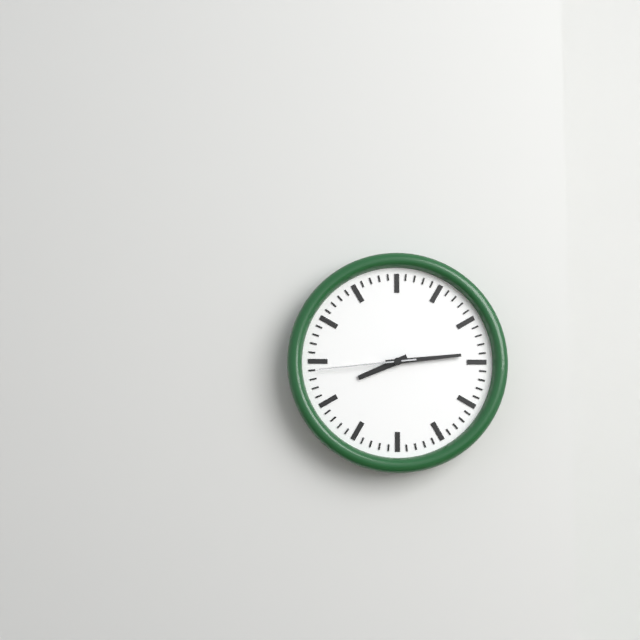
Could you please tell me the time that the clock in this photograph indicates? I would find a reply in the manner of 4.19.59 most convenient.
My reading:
8.14.44
